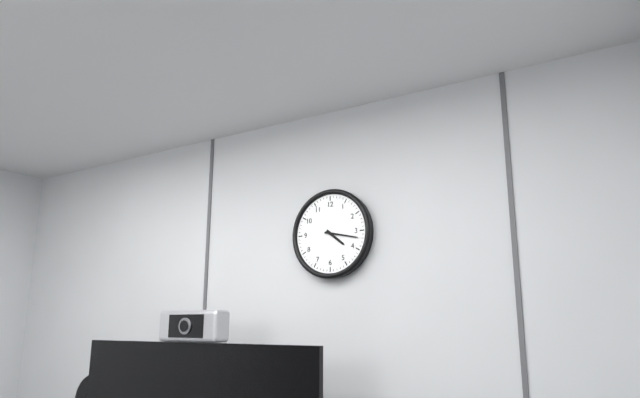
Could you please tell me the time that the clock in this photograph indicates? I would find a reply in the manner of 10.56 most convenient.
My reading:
4.17
